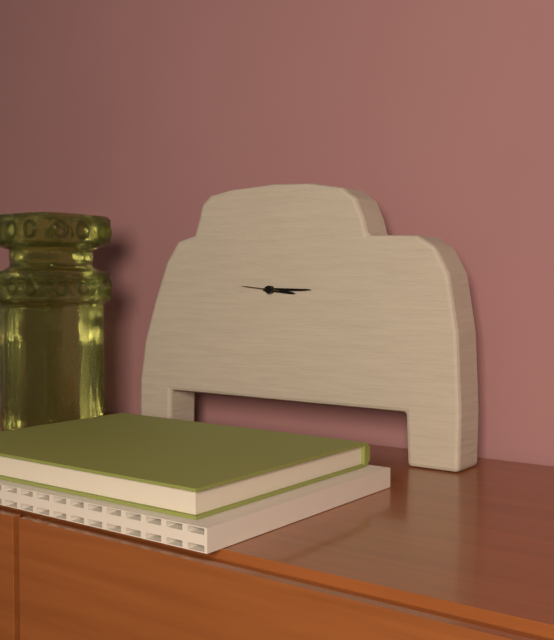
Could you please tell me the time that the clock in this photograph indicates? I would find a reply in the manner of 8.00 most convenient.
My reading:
3.15
